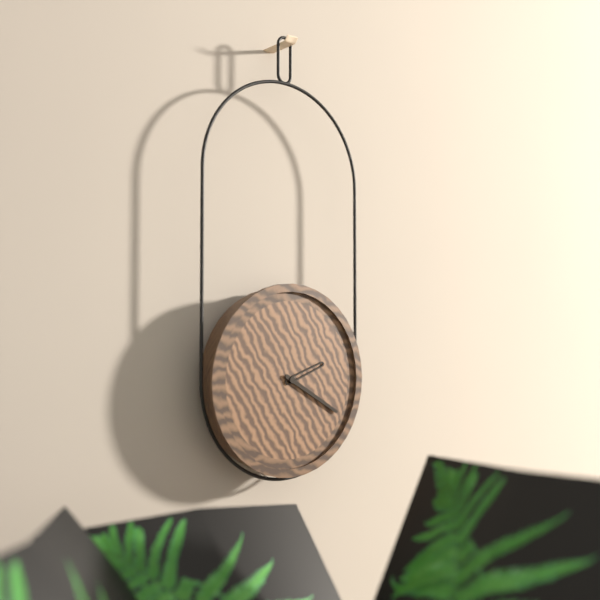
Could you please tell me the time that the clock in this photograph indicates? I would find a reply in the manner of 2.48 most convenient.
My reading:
2.20
